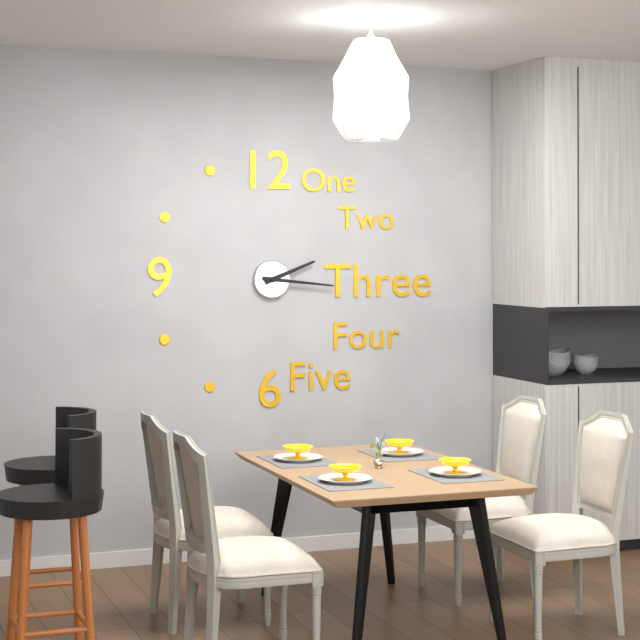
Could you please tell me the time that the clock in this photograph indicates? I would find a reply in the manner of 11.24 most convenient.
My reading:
2.16
